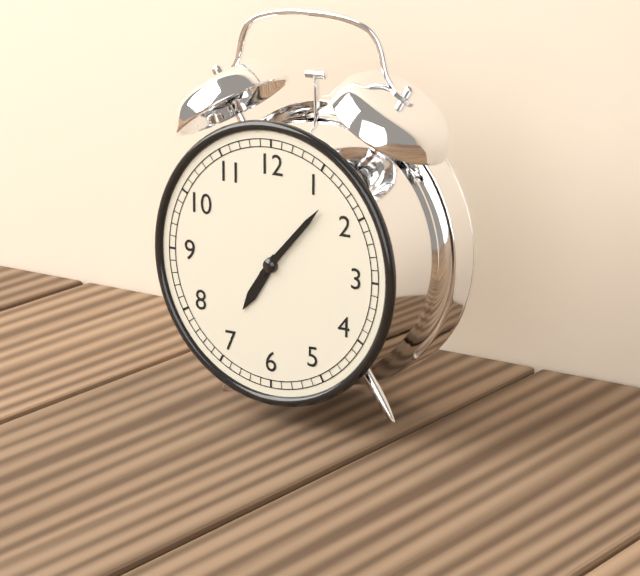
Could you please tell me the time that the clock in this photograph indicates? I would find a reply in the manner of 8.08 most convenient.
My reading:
7.07
